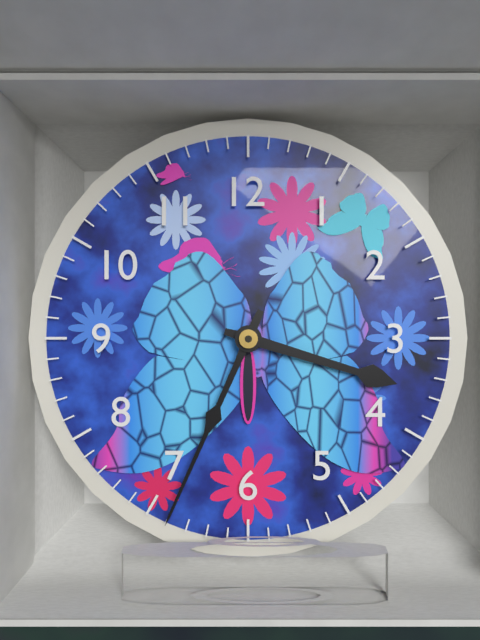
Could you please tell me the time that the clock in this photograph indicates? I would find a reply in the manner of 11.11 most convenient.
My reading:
3.34
